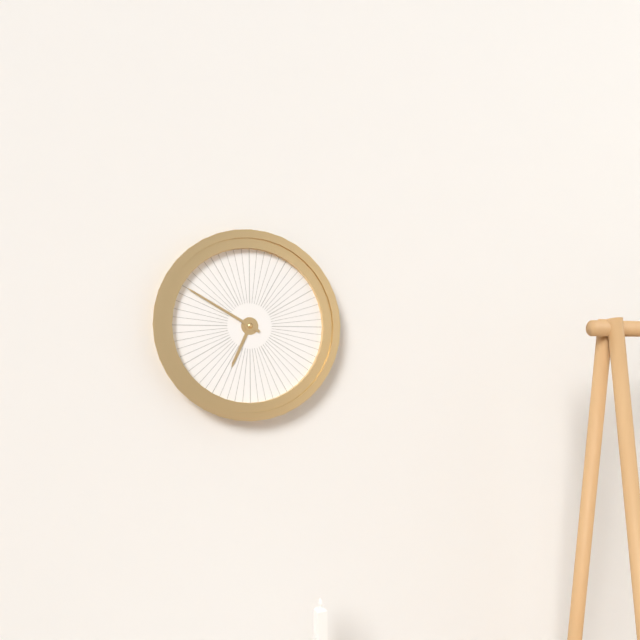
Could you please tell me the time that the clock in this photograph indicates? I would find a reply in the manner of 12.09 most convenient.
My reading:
6.50
